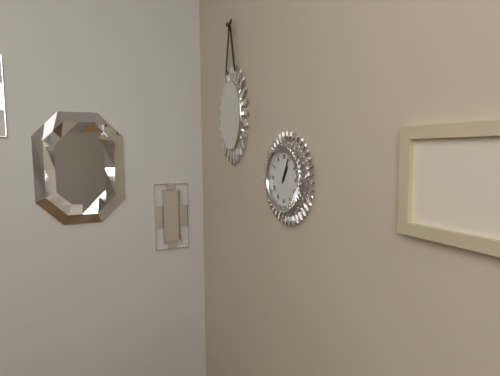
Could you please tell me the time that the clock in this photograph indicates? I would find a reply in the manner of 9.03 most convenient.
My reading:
1.04
